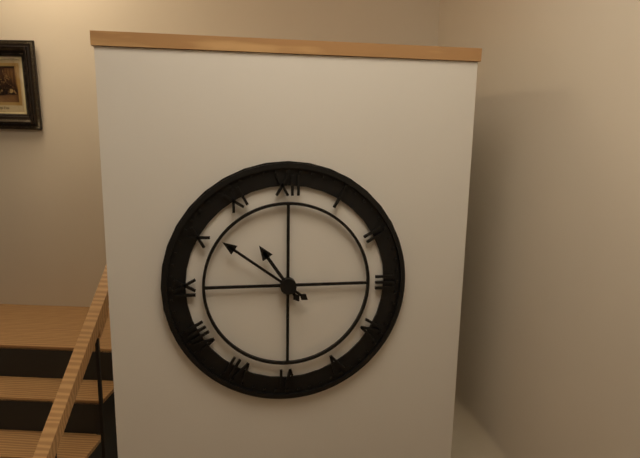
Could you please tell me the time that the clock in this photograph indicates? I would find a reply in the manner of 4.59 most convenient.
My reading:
10.51
